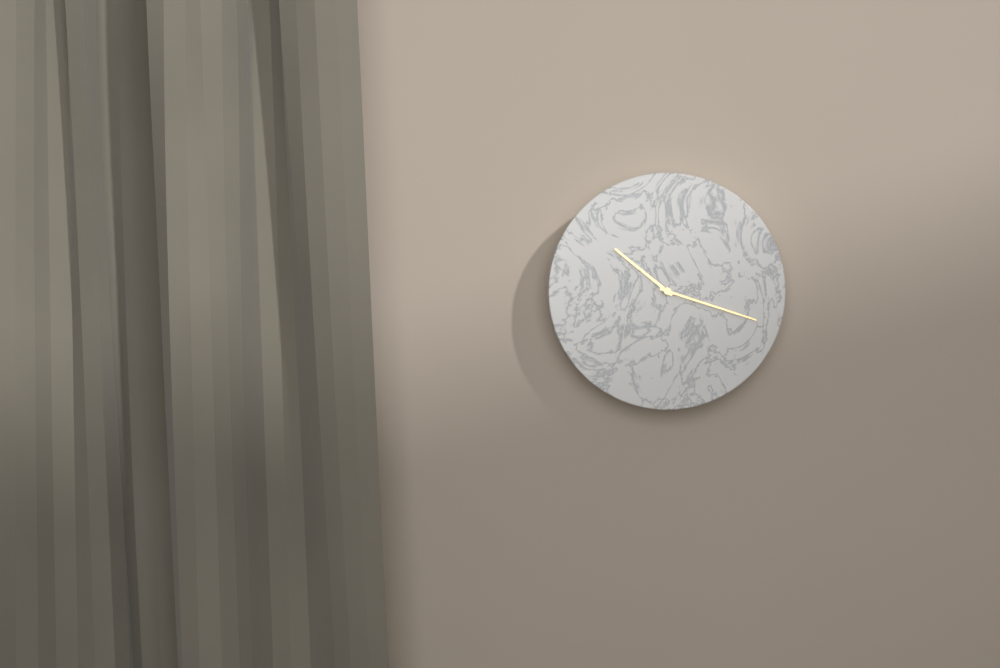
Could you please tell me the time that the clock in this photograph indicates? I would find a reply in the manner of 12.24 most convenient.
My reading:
10.18
